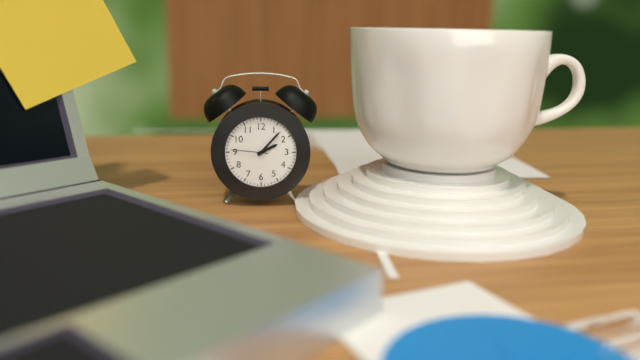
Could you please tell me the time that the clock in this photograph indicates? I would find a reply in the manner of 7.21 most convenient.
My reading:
2.07
